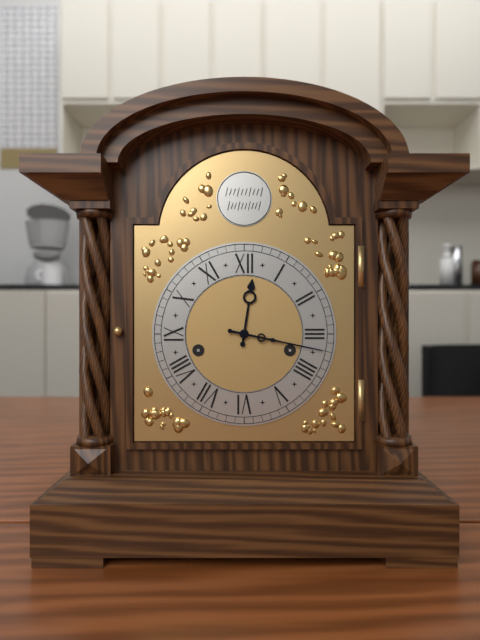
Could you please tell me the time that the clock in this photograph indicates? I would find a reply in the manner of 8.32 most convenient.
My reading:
12.17
